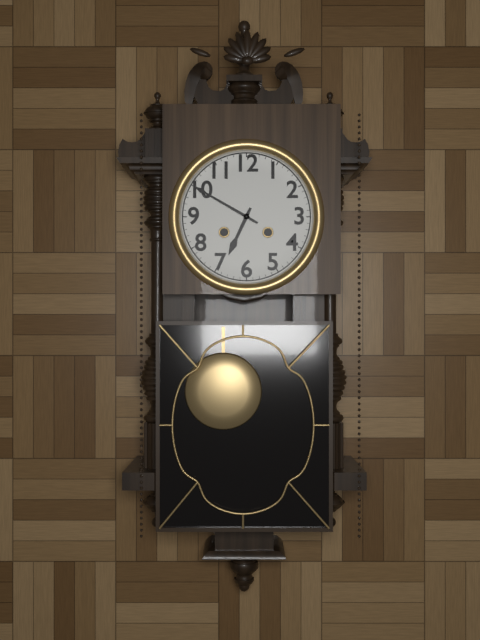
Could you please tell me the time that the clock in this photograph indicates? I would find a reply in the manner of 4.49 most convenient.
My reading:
6.50
